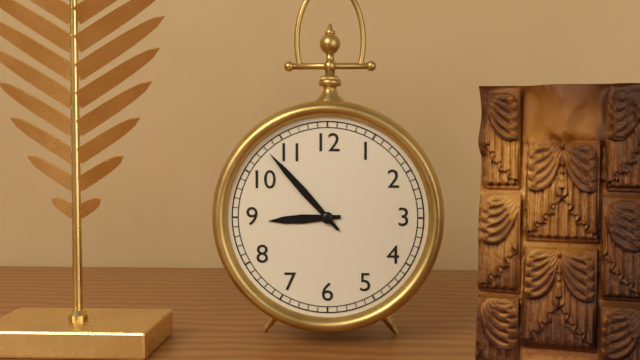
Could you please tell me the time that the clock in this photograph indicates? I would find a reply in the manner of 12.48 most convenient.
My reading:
8.53
